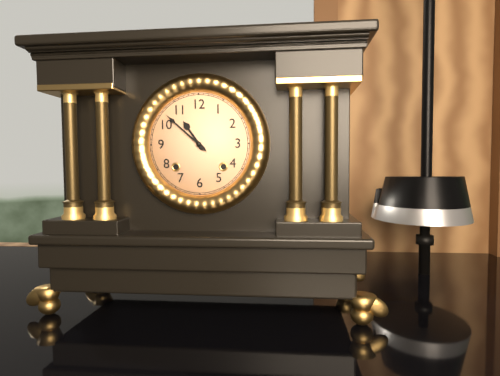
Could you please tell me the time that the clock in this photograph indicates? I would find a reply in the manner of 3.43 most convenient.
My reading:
10.52
